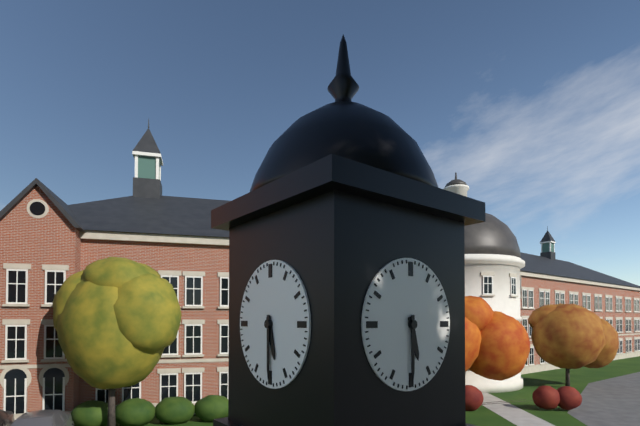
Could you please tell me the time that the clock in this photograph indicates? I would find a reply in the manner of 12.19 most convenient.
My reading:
5.30
